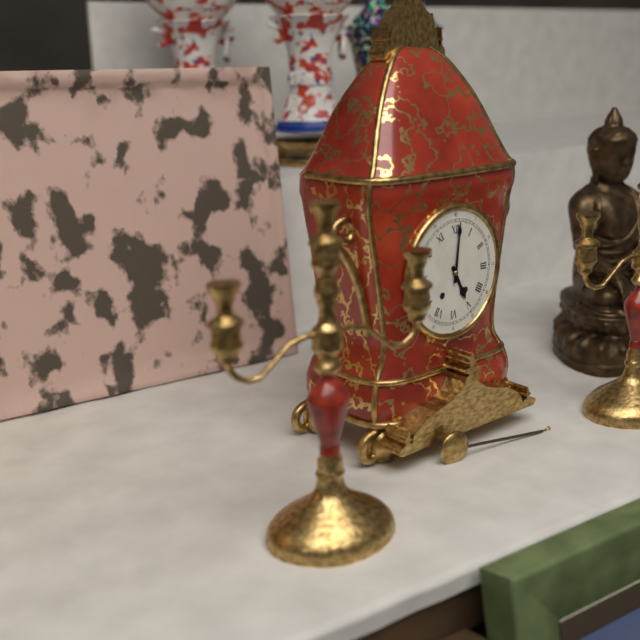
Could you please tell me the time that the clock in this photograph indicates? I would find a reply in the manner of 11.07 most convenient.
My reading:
5.01
